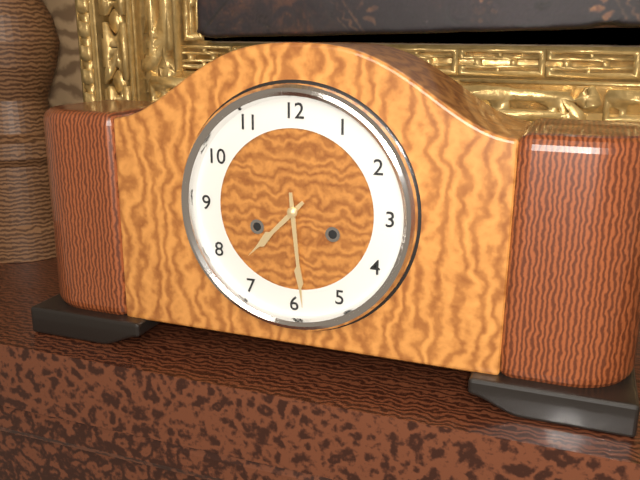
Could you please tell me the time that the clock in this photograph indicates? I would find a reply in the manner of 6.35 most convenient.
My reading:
7.29
